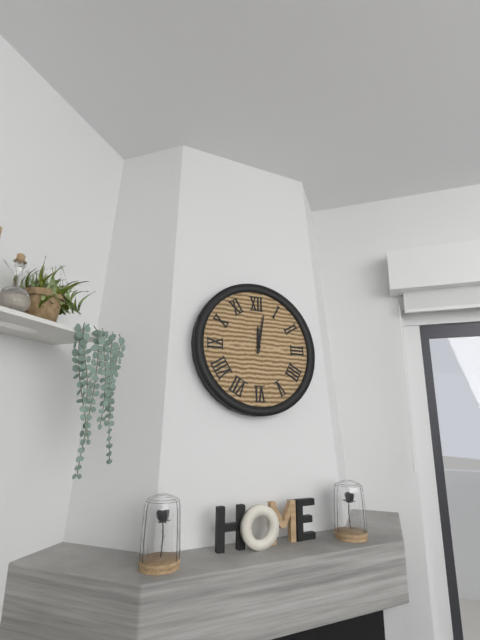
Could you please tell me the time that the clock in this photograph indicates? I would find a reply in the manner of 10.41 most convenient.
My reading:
12.02
